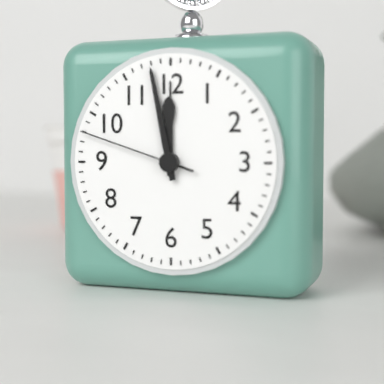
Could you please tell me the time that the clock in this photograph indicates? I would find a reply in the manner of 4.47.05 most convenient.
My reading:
11.58.48
